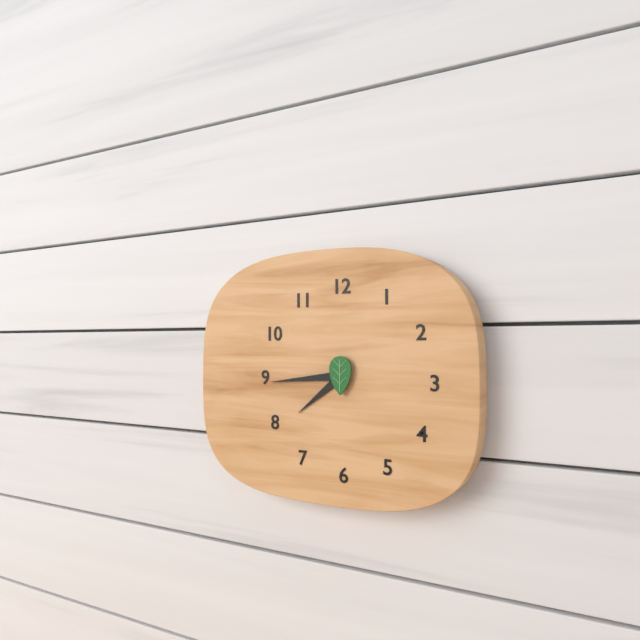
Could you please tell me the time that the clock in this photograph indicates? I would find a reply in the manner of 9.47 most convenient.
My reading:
7.44
